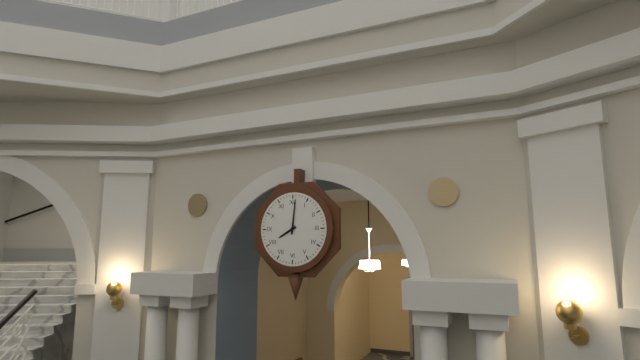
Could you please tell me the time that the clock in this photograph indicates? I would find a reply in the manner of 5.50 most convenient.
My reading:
8.01
